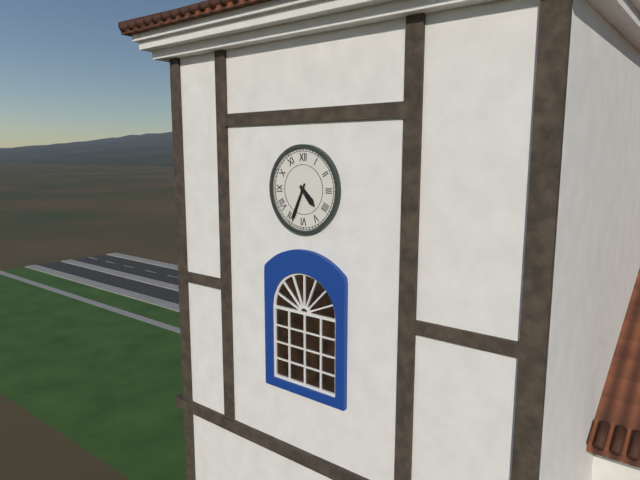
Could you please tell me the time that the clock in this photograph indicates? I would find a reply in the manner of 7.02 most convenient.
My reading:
4.34
